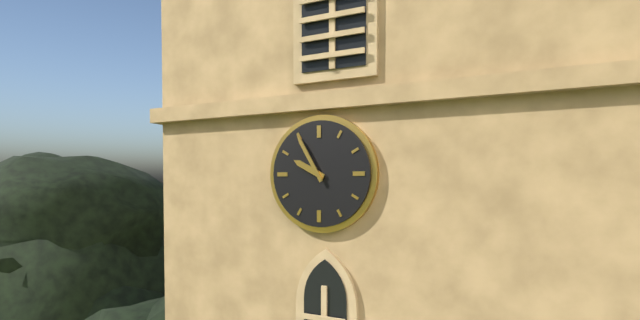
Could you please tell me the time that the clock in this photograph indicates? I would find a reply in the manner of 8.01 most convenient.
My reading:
9.55
